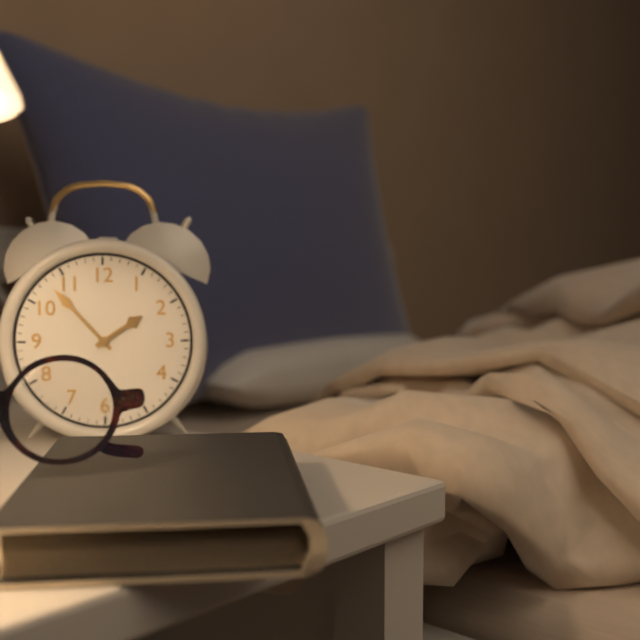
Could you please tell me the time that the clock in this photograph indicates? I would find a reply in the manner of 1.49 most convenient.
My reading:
1.53
